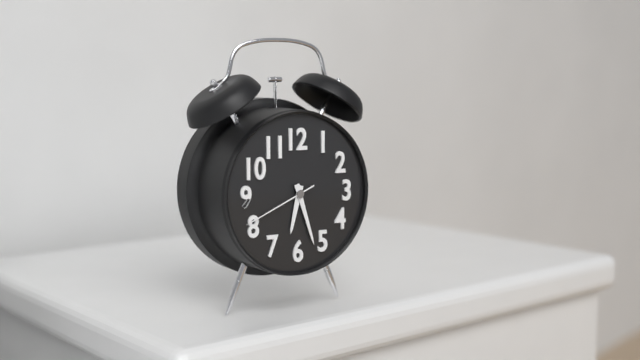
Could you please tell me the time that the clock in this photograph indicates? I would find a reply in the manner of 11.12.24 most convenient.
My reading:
6.27.41
